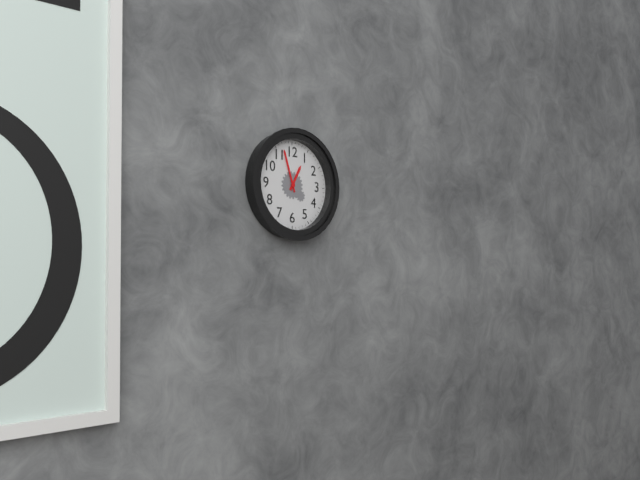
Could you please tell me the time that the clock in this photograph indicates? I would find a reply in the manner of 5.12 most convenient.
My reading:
12.57
